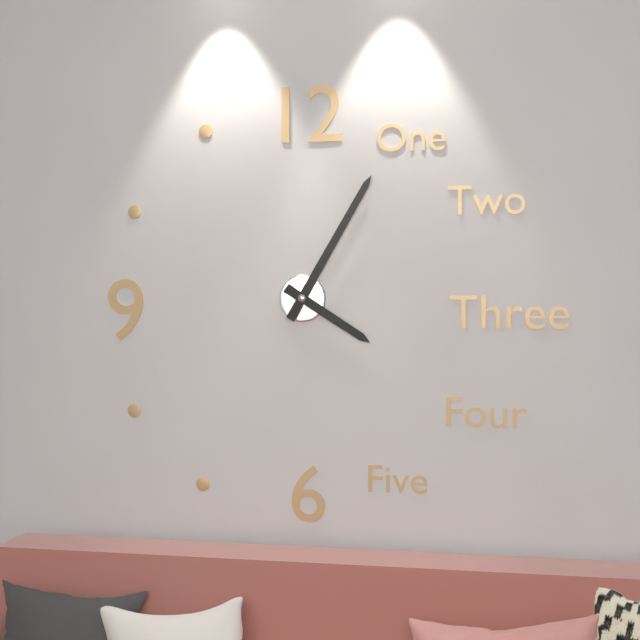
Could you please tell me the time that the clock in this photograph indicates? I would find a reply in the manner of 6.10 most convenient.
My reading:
4.05
